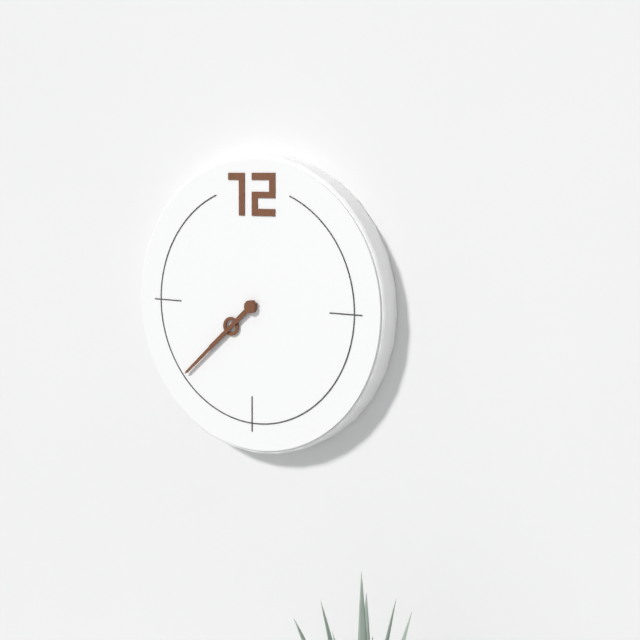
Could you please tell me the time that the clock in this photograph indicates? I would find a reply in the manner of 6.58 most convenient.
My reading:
7.38
